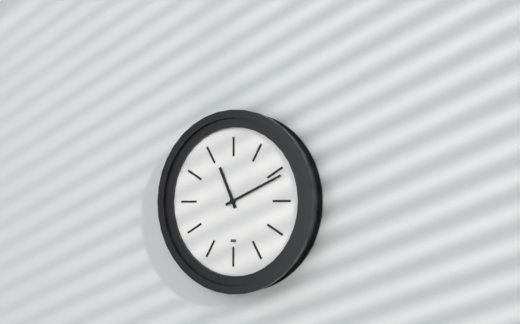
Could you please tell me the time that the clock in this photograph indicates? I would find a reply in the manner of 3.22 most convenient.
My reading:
11.11
